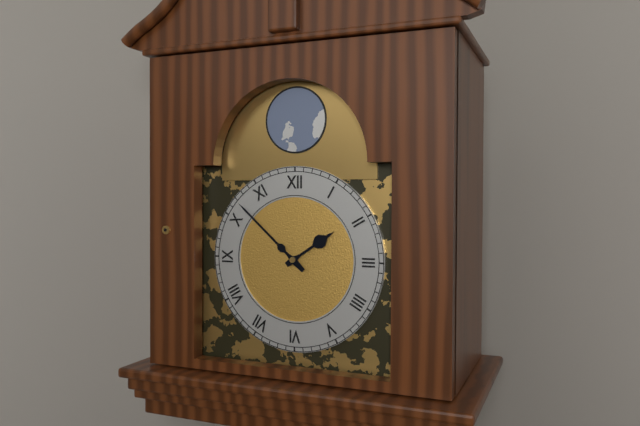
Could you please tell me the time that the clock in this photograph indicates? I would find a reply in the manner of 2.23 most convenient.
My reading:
1.52
